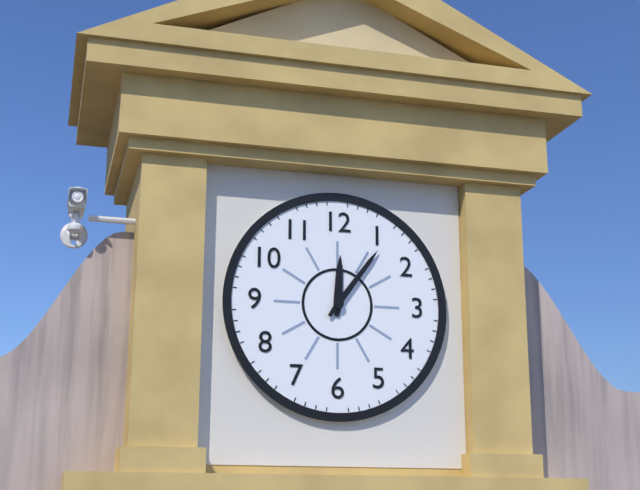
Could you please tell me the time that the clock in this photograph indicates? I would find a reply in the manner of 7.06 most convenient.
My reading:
12.06
